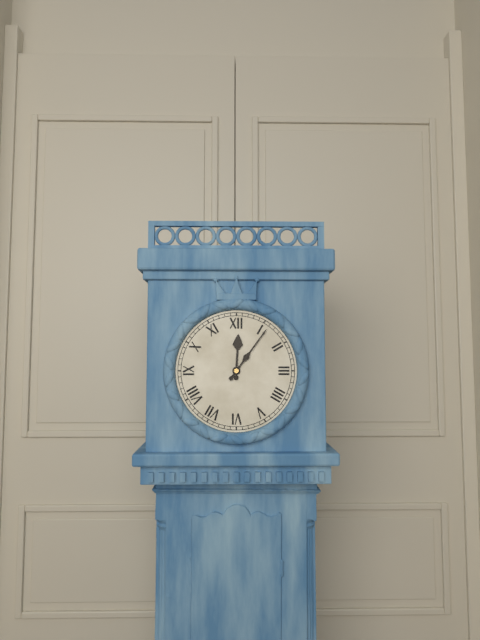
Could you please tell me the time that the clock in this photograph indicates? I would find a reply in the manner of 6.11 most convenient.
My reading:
12.06
